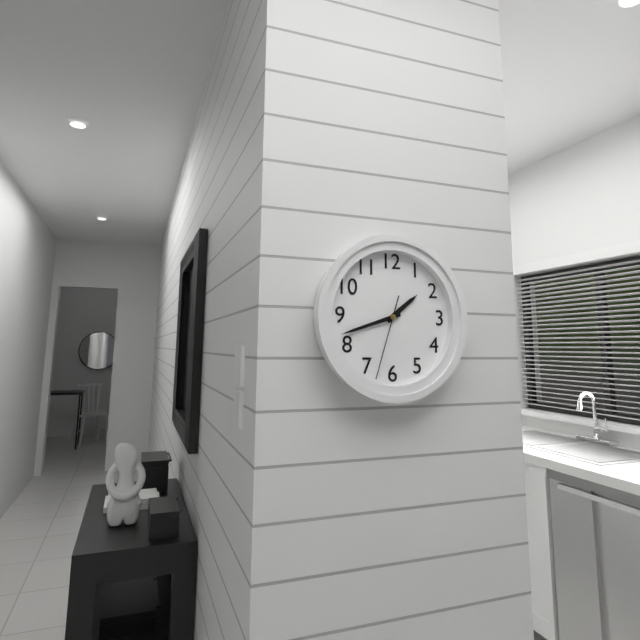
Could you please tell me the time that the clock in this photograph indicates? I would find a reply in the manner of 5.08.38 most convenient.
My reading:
1.42.33
